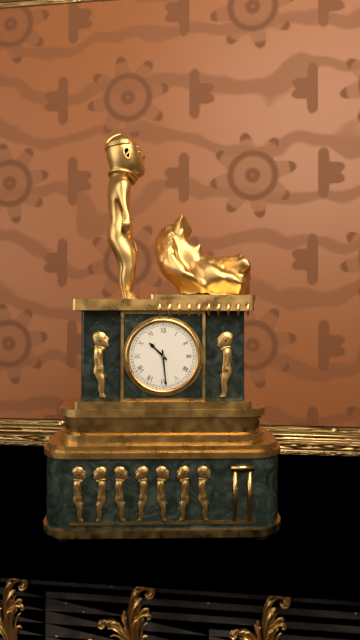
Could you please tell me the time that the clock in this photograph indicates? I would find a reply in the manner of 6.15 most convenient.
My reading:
10.29
